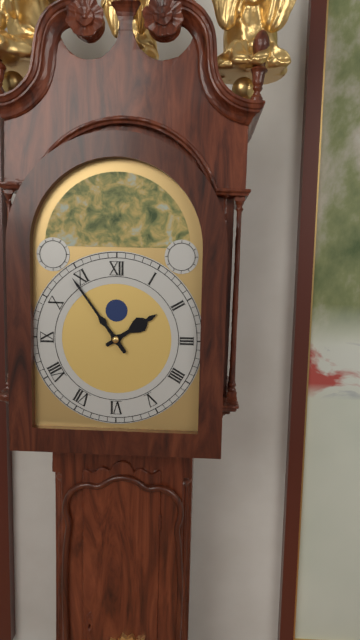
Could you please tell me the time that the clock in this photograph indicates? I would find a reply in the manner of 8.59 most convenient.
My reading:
1.54
